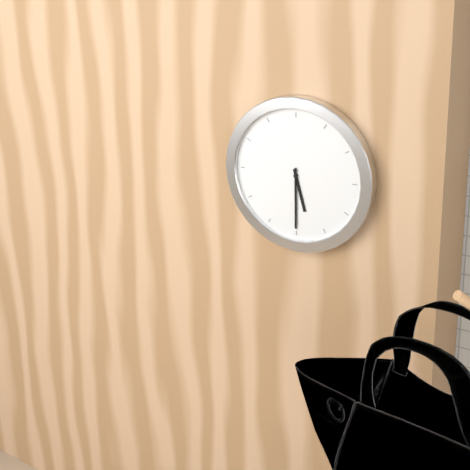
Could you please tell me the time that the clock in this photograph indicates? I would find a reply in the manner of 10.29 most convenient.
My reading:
5.30
